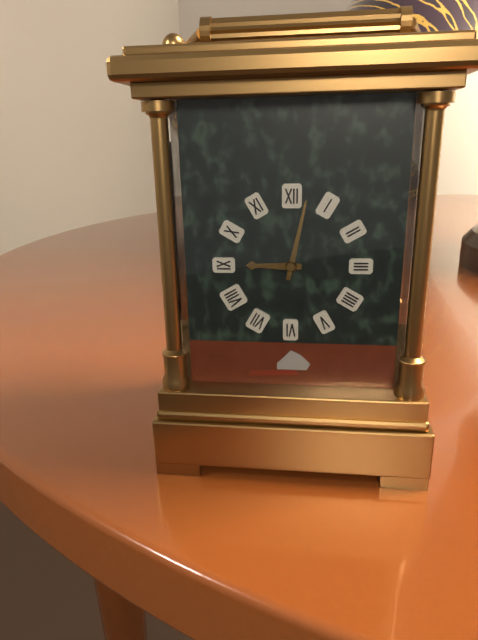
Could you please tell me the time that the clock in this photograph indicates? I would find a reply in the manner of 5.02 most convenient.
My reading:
9.02
